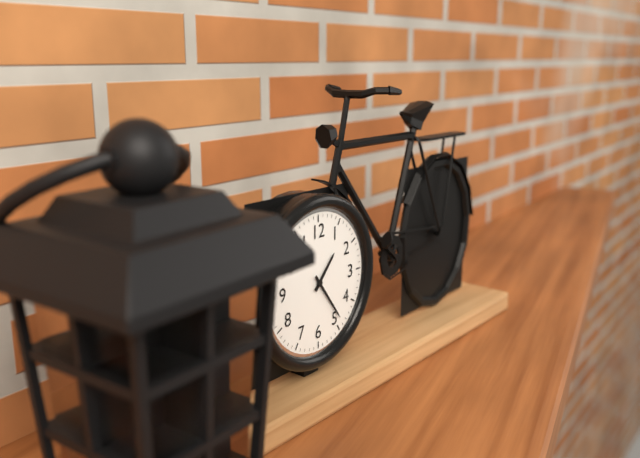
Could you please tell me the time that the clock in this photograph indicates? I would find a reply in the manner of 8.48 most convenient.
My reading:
1.24
